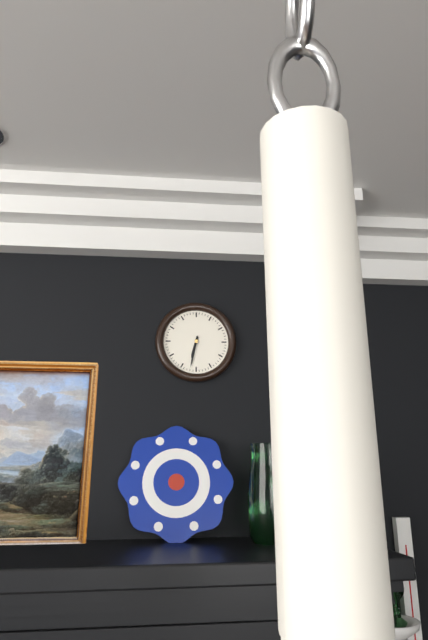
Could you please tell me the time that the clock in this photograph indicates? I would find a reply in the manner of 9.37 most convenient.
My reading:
6.32
